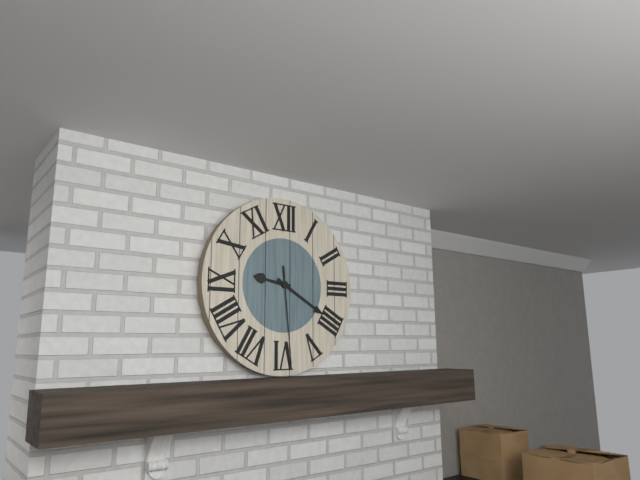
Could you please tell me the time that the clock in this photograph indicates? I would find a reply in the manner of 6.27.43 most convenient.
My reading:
9.20.29
